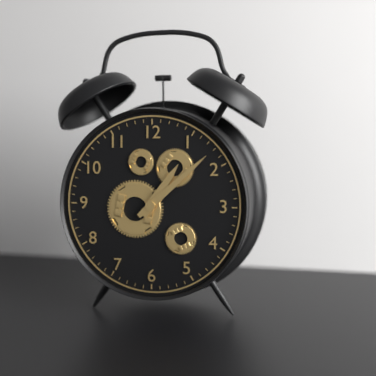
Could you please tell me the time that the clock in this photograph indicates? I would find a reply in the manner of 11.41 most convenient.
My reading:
1.08
